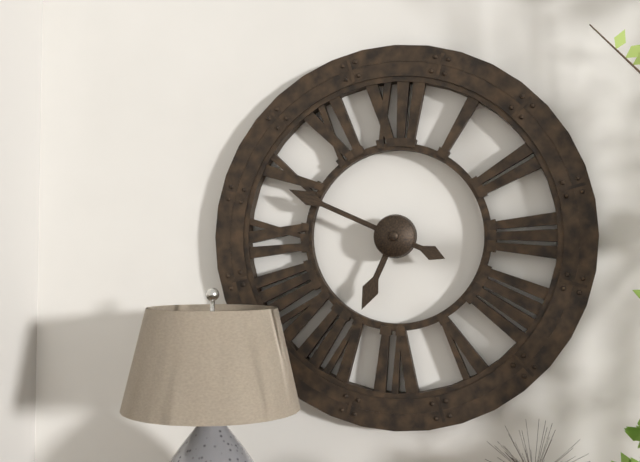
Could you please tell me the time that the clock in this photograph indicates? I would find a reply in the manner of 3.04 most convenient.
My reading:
6.49
